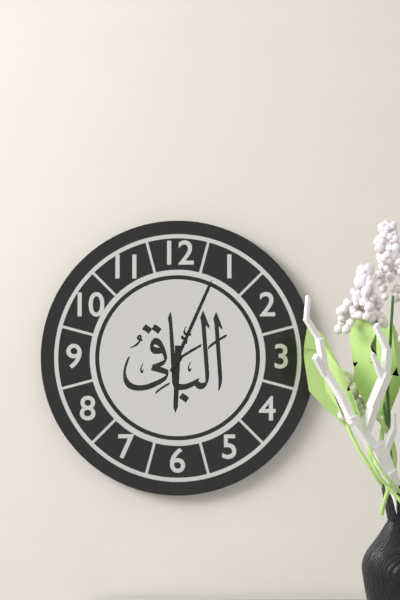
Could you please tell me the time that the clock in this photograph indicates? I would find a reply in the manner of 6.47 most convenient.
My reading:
6.04
